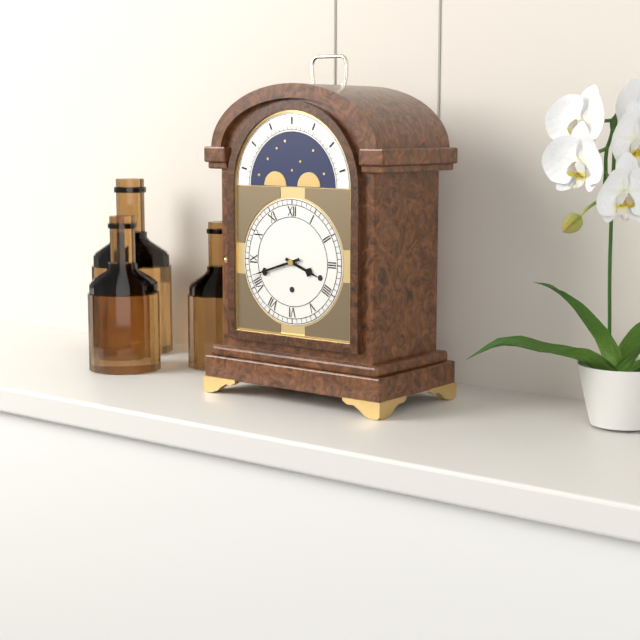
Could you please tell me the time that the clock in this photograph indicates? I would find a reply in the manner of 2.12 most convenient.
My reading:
3.42
